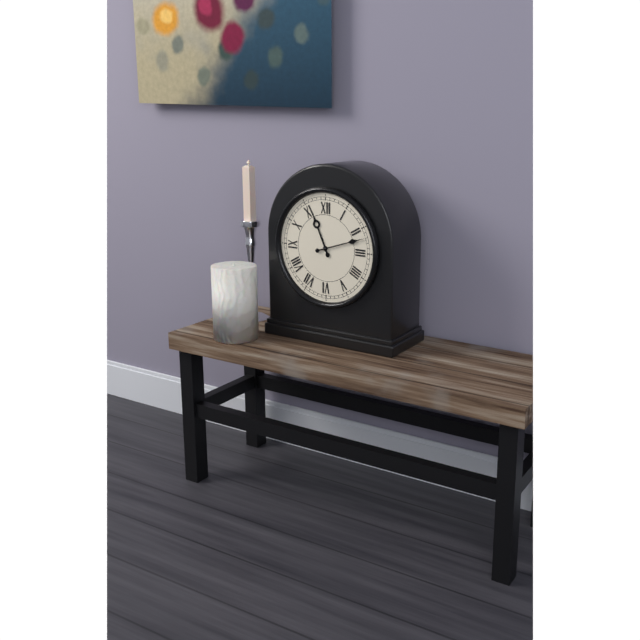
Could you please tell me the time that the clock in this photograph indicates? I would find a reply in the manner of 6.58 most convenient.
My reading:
11.12
